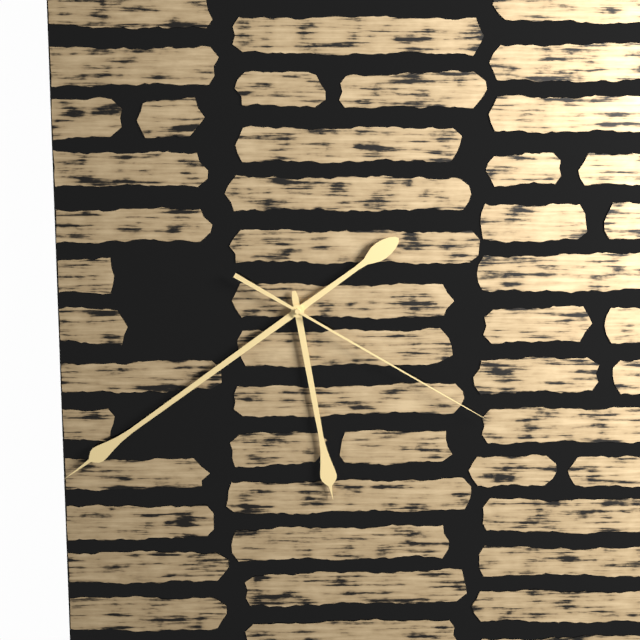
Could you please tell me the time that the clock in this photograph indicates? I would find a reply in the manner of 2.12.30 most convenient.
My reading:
5.39.20
